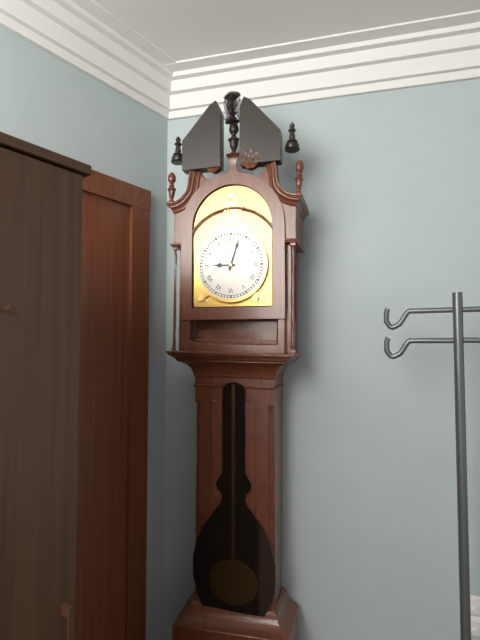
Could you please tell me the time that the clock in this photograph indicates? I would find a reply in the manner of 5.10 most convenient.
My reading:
9.03
